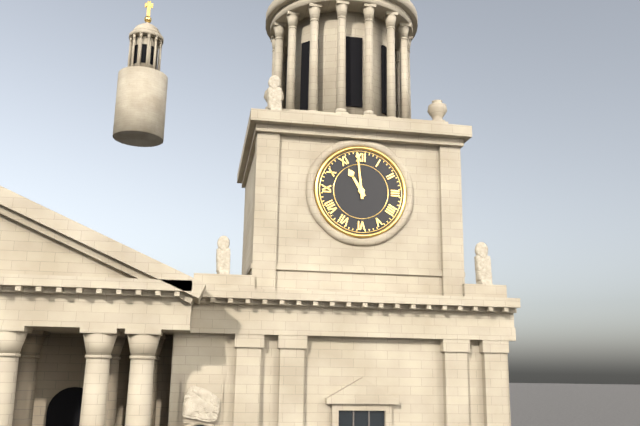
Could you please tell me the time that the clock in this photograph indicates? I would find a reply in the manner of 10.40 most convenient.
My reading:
10.59
